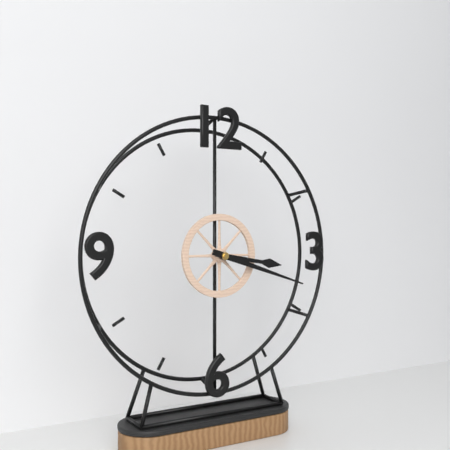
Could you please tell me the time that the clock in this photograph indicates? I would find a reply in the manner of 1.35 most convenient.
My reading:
3.18
